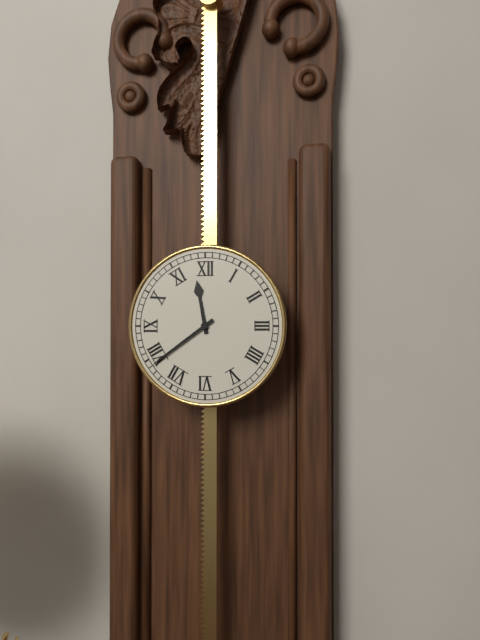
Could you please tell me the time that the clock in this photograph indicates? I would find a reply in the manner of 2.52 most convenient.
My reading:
11.39
